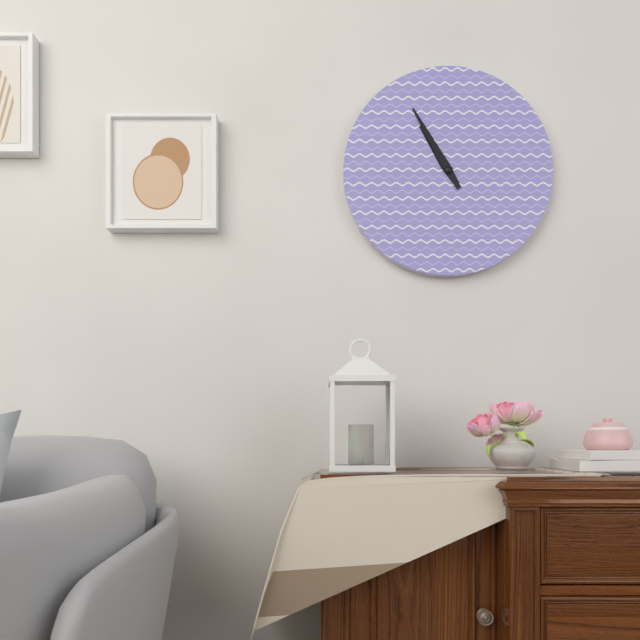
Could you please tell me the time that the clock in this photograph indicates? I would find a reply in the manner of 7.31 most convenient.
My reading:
10.55
